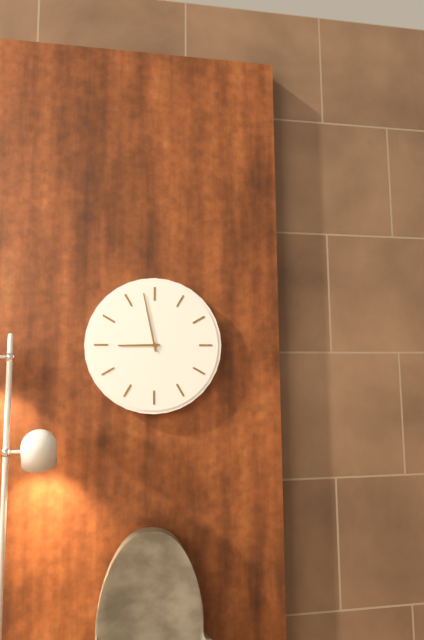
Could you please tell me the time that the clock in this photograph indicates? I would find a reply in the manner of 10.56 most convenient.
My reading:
8.58
